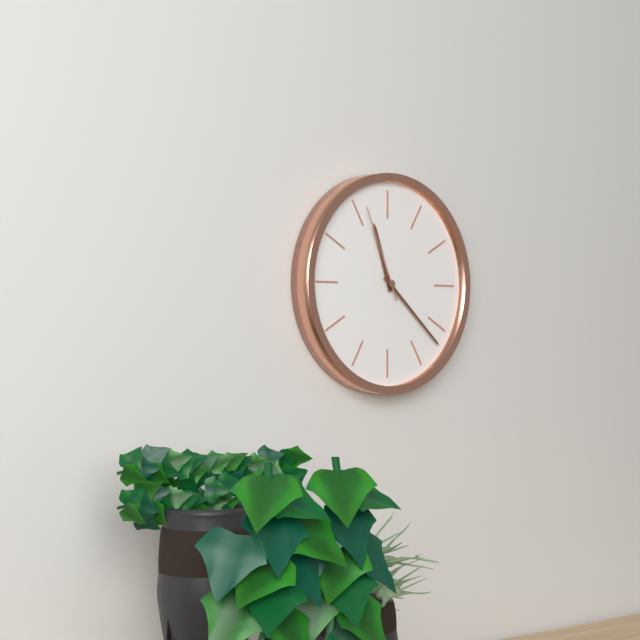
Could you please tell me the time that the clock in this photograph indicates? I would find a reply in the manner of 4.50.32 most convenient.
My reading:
11.22.56
